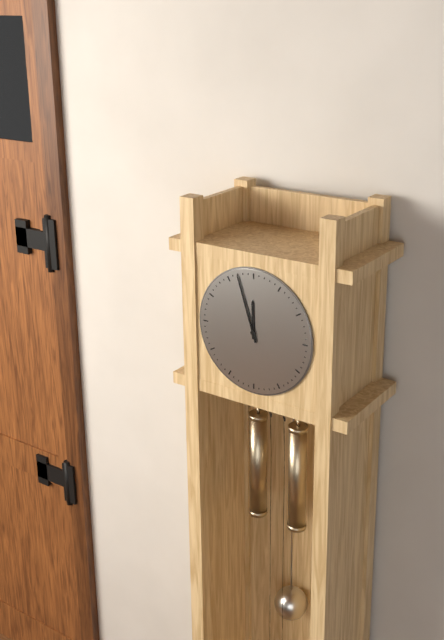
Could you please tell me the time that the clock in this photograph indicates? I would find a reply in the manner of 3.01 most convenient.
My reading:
11.57
